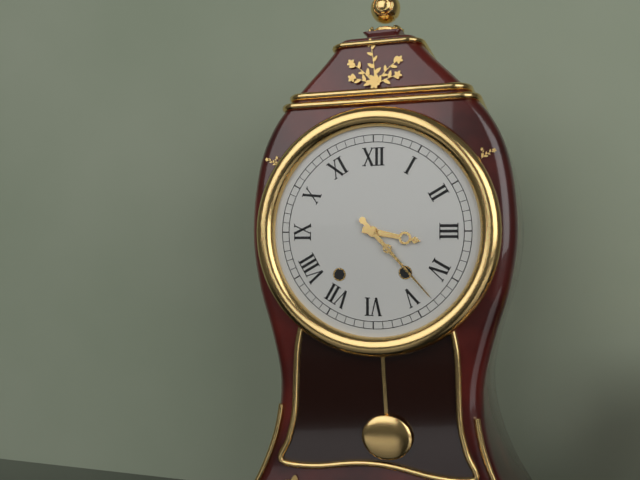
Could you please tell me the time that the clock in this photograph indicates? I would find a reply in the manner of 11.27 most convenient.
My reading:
3.23
